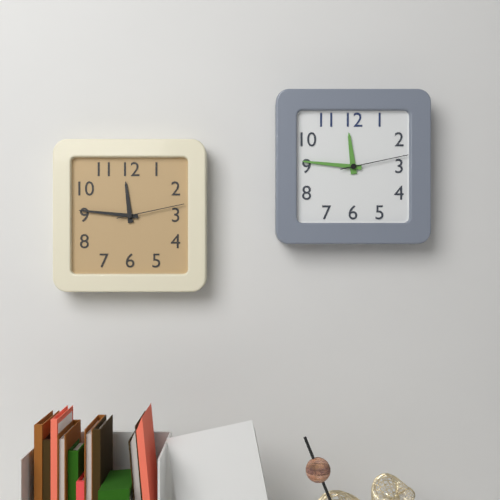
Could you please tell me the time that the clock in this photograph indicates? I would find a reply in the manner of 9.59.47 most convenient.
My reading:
11.46.13
